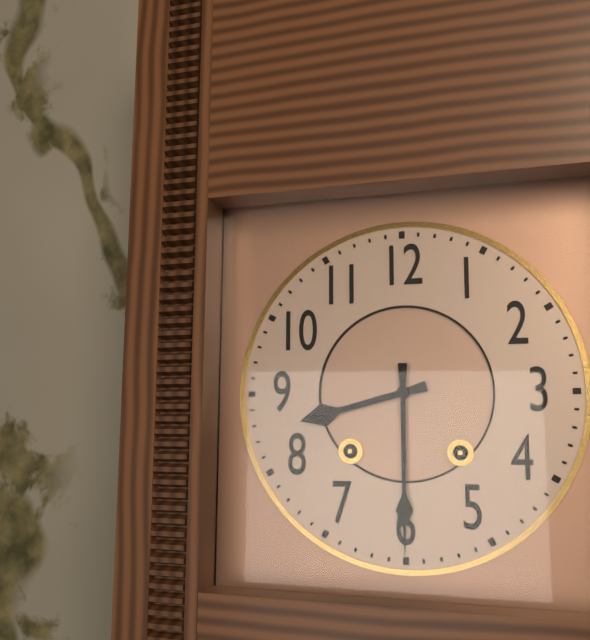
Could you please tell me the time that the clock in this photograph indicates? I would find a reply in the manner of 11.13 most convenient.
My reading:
8.30
